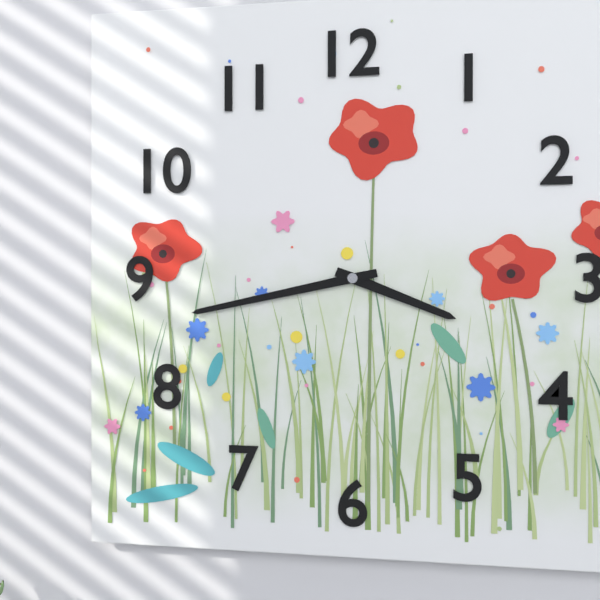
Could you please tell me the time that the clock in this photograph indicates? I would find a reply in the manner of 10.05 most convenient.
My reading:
3.43
